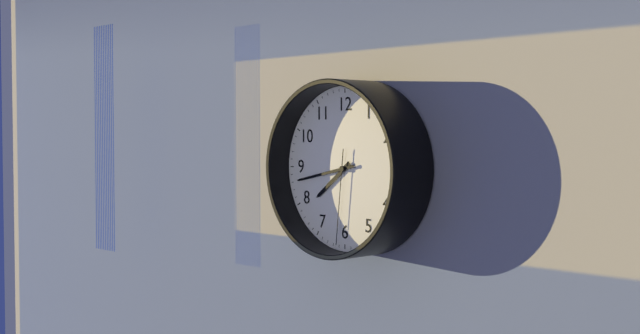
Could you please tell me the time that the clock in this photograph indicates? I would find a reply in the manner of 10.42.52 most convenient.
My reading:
7.43.31
